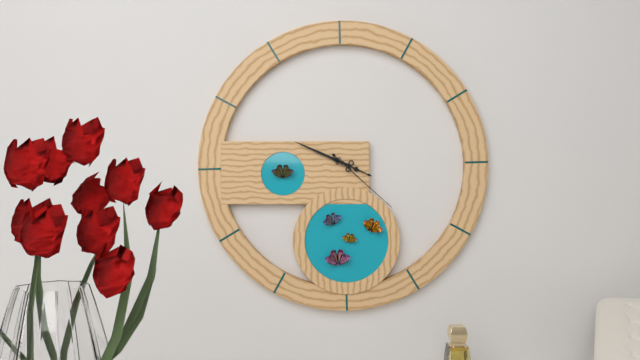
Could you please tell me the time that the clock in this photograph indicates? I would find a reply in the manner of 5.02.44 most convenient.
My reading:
3.49.22
